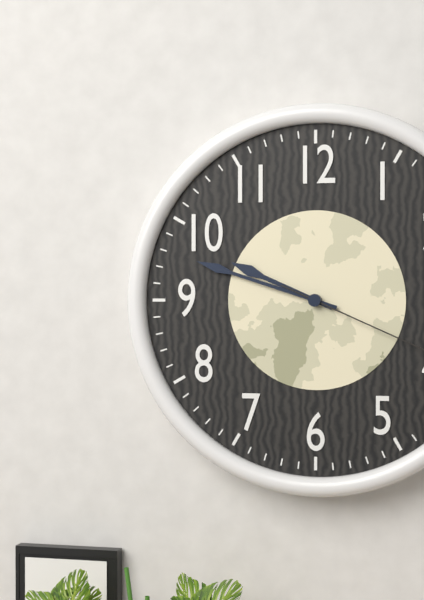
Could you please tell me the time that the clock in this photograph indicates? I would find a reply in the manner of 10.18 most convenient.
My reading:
9.48
